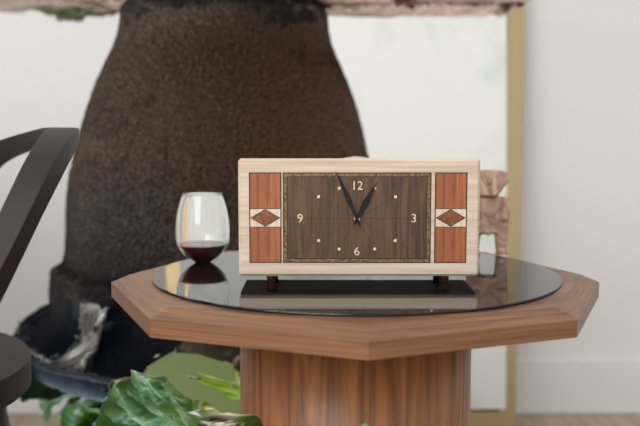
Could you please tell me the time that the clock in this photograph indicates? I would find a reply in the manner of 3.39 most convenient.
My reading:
12.56
